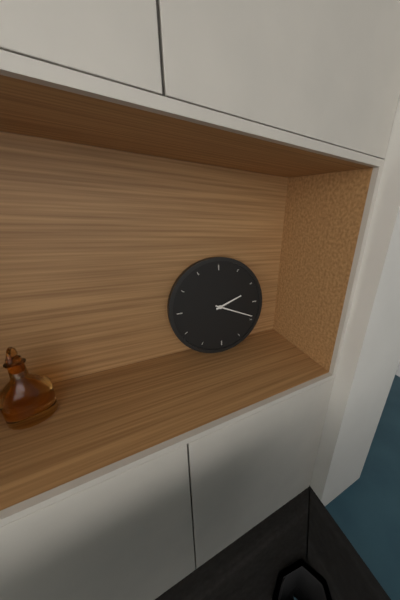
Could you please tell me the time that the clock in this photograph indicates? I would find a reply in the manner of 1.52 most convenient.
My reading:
2.19
